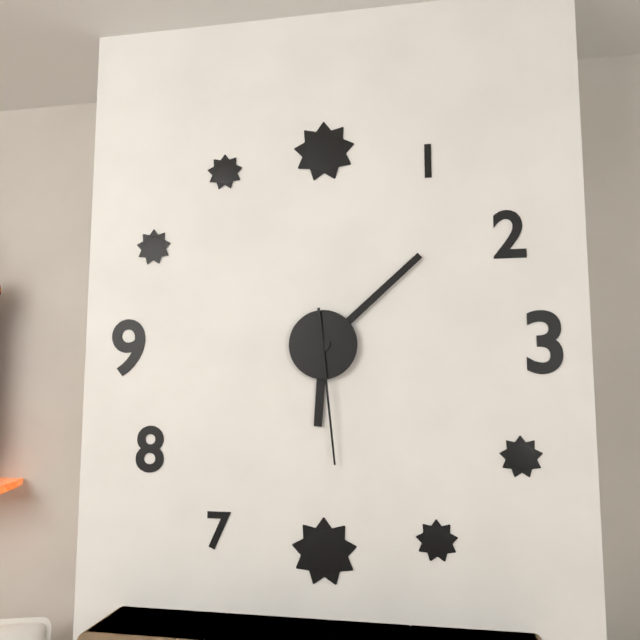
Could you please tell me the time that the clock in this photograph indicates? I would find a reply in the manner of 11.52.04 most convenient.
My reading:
6.08.29
